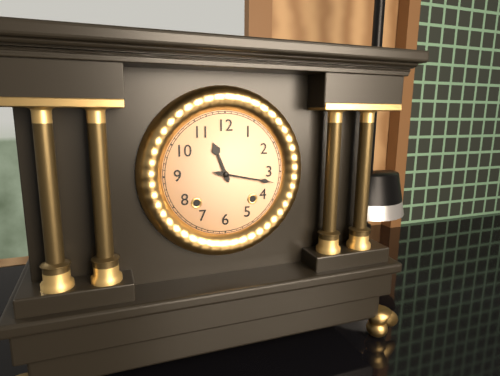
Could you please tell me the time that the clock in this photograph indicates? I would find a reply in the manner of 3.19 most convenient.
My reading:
11.17
